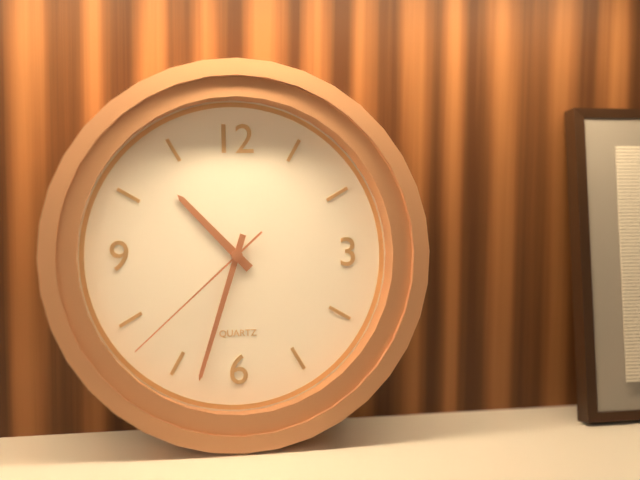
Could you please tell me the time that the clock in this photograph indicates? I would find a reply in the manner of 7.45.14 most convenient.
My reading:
10.33.38
